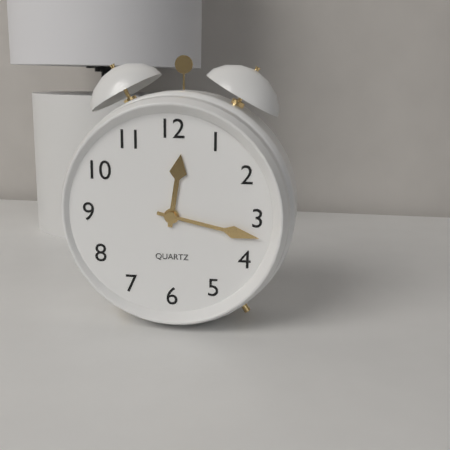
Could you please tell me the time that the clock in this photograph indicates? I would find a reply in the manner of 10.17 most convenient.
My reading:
12.17
